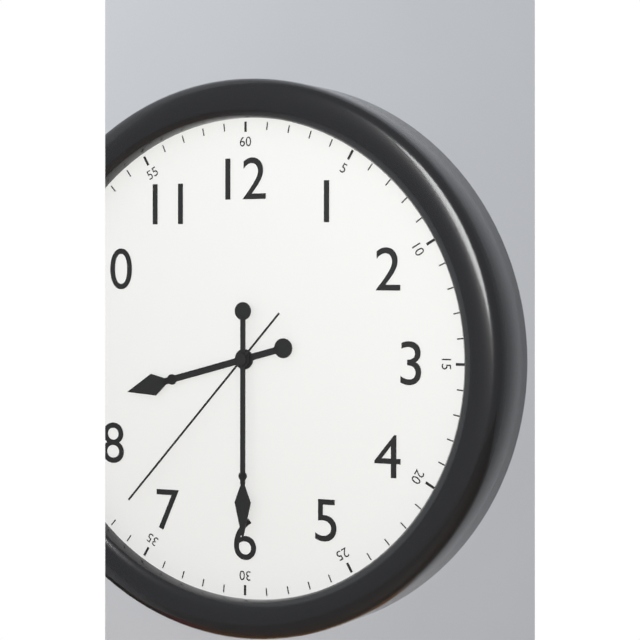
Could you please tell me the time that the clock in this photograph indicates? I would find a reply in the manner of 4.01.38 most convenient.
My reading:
8.30.37
